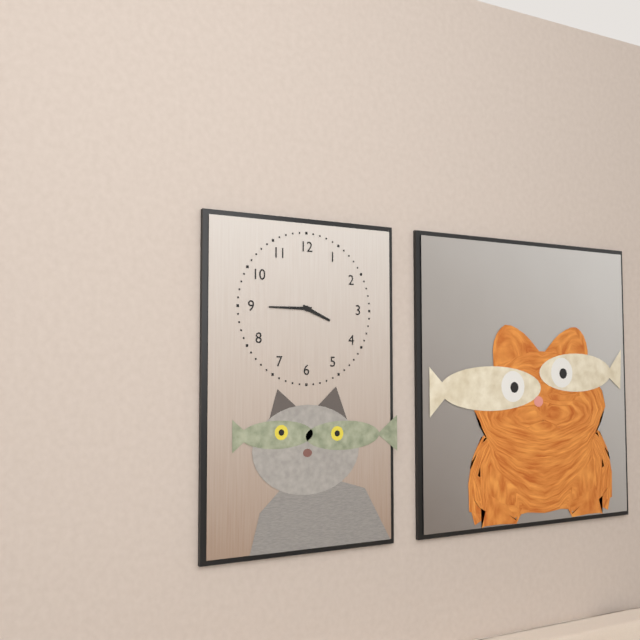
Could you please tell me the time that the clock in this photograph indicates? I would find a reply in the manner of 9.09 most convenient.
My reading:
3.45
